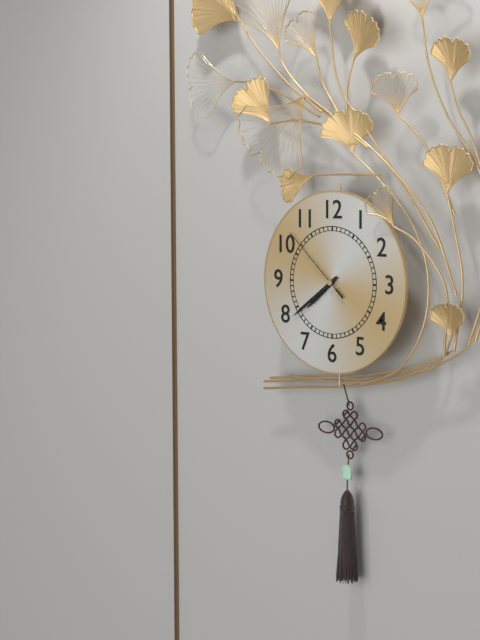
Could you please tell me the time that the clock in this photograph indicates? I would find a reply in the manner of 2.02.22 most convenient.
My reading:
7.39.52
